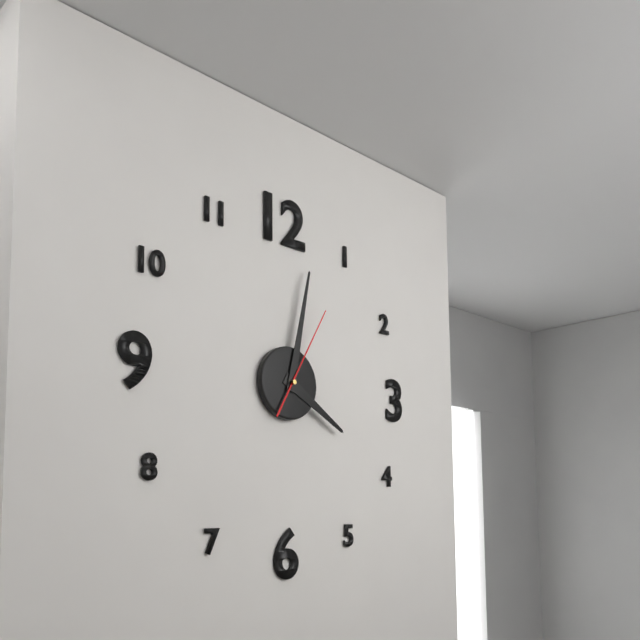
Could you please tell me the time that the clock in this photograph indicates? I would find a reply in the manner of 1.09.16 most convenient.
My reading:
4.02.05
